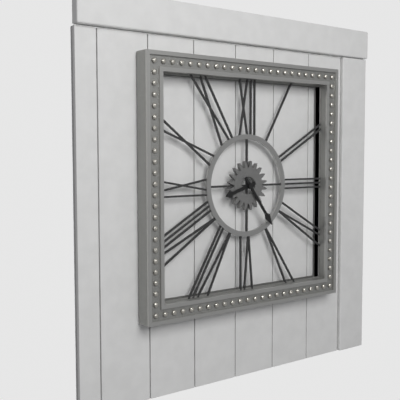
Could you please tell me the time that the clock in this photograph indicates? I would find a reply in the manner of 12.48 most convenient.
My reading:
8.24
